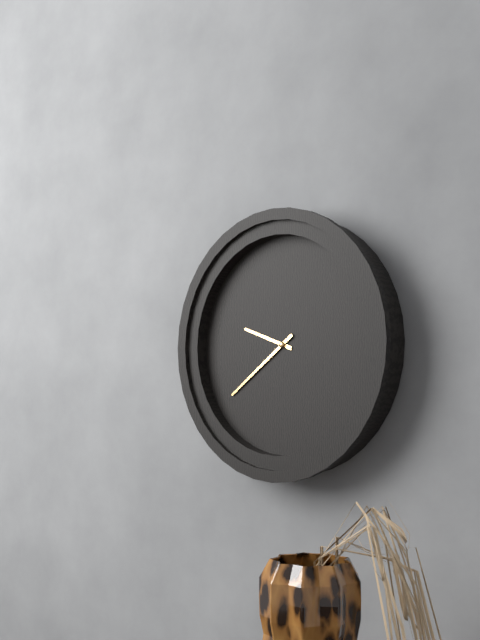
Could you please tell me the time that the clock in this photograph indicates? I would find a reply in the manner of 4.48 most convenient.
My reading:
9.39
